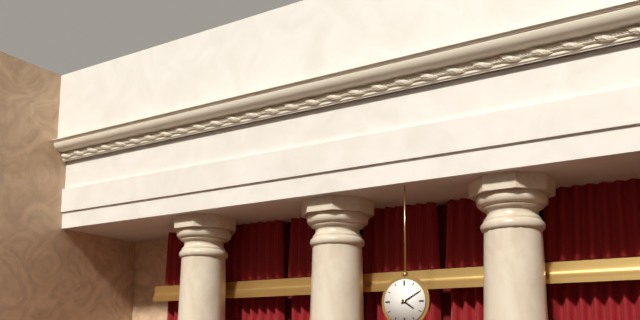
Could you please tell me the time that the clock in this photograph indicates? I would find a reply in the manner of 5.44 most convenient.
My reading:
4.10
